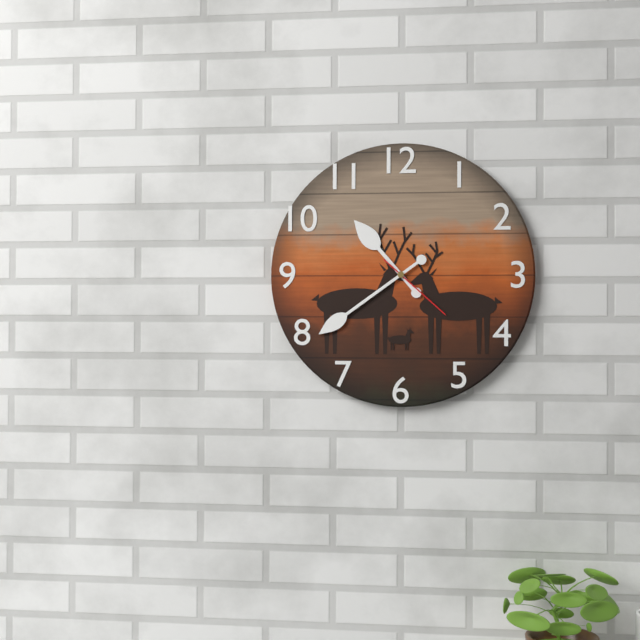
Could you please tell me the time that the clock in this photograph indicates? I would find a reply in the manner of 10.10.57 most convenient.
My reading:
10.39.22
